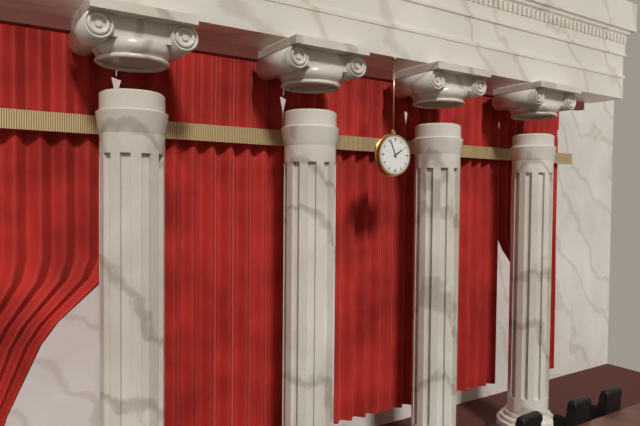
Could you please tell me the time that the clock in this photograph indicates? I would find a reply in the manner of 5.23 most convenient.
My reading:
1.56
